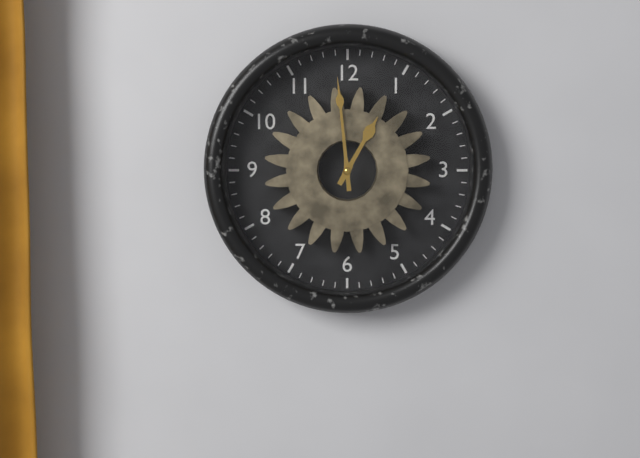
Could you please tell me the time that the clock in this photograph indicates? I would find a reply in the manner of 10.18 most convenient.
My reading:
12.59
